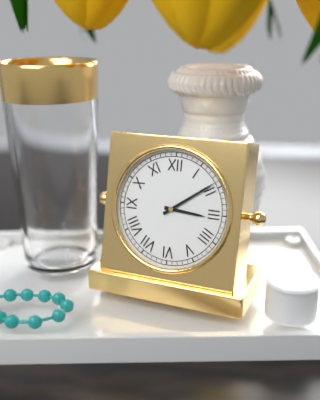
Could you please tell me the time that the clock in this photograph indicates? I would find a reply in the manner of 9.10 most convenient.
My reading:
3.09
